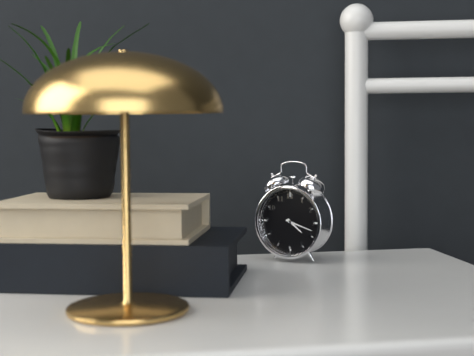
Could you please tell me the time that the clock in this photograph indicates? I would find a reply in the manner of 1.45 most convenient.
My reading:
4.18
